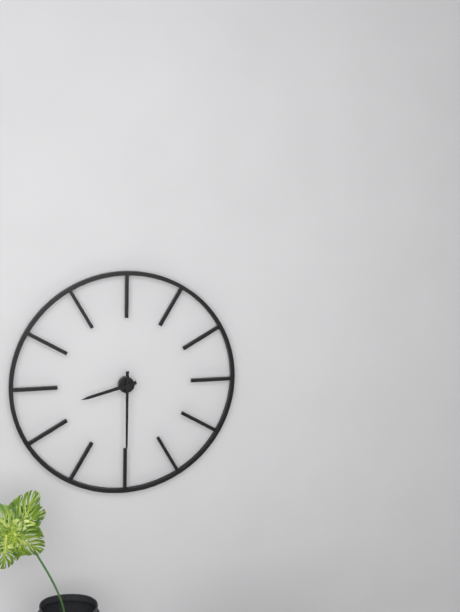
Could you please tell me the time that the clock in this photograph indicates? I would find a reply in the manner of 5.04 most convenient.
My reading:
8.30
